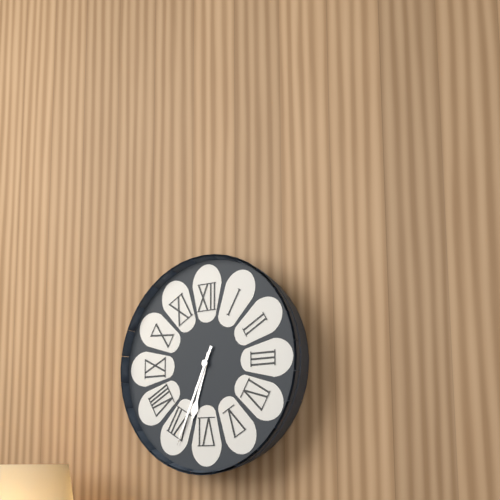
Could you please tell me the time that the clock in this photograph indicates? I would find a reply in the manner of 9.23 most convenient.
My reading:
6.34
